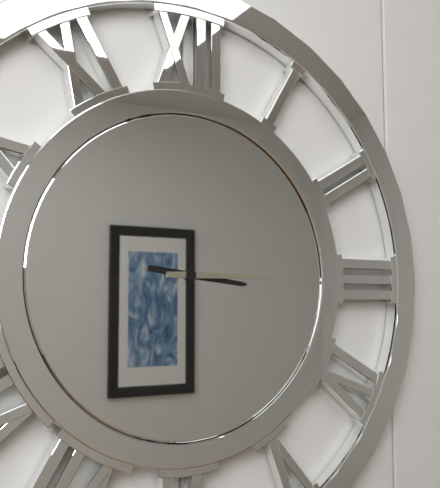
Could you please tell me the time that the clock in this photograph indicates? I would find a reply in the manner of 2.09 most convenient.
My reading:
3.15
